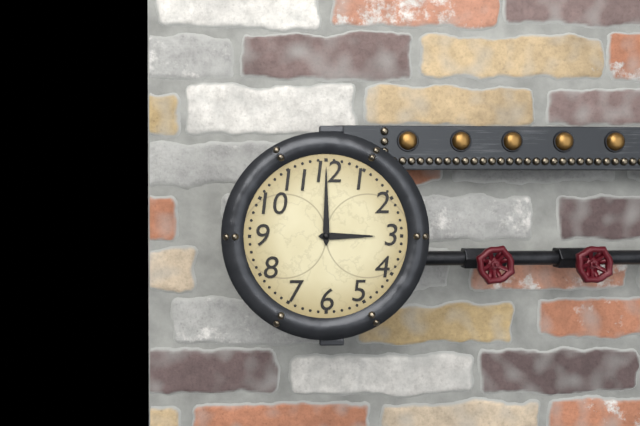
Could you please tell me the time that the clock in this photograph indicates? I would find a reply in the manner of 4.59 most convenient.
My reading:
3.00
